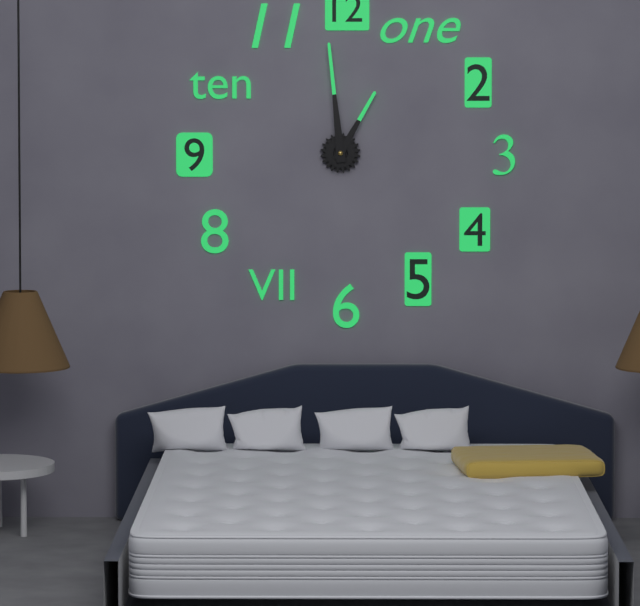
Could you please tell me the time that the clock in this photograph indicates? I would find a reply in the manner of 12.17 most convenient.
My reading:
12.59
